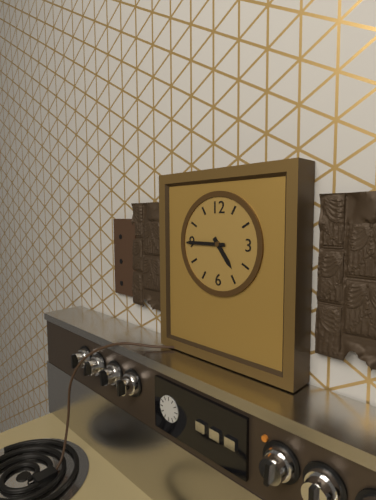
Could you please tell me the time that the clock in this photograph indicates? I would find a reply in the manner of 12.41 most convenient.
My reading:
4.45
